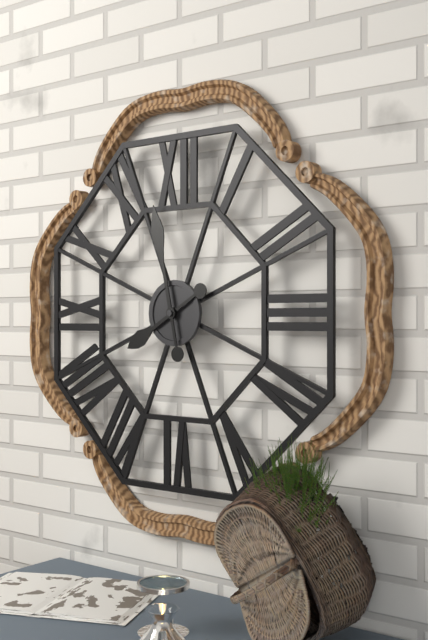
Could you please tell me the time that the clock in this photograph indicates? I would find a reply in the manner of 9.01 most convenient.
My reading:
7.58
